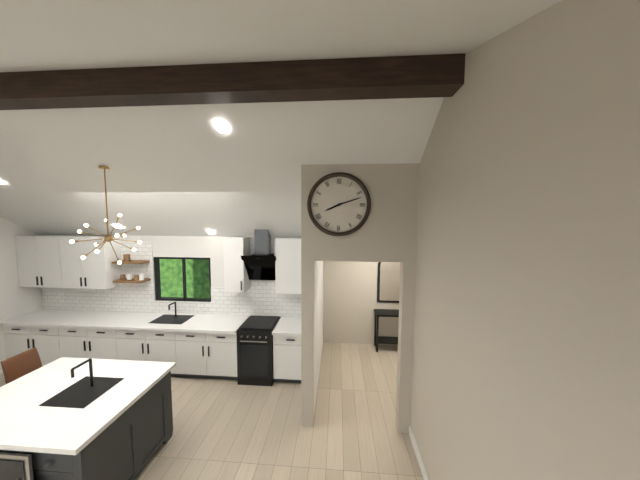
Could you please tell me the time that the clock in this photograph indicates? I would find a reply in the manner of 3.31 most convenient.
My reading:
8.12
